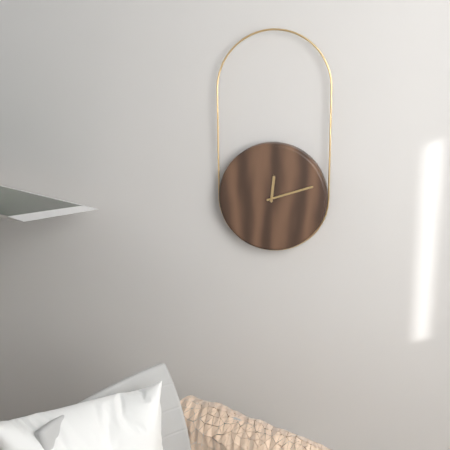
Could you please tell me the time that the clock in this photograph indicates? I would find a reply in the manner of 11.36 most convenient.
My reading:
12.12
